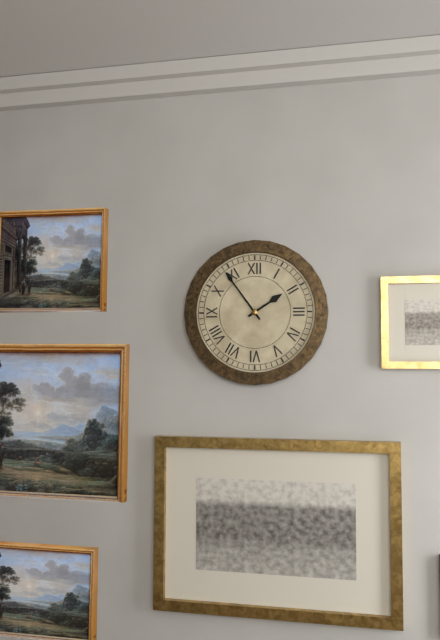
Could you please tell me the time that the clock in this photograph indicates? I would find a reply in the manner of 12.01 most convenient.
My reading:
1.54
